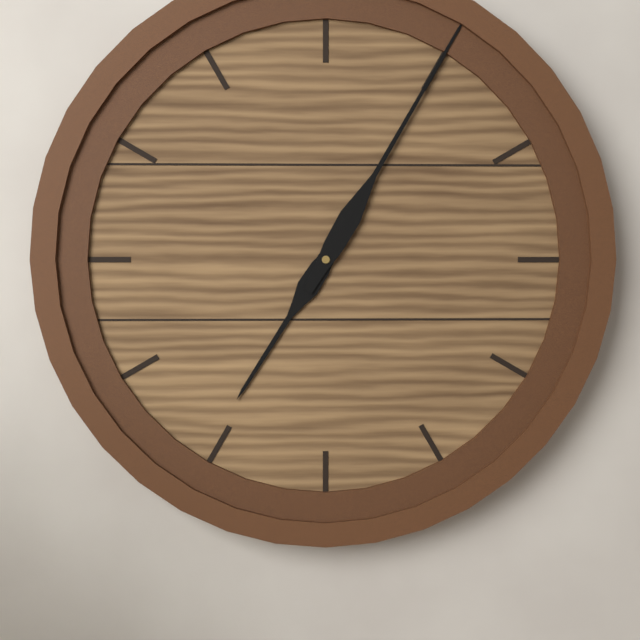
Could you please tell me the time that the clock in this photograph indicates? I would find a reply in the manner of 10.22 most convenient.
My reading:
7.05
